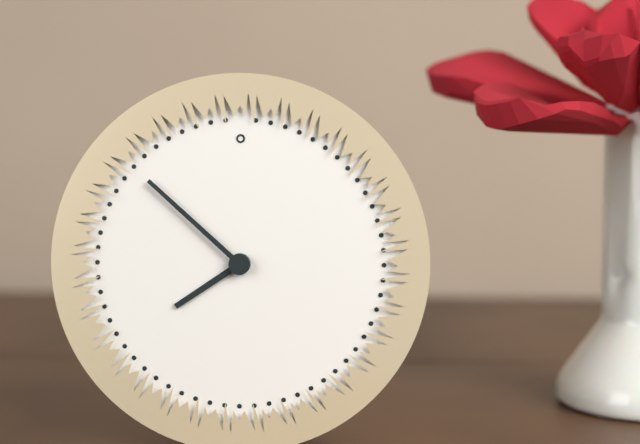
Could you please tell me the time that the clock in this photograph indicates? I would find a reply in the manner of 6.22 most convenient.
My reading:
7.52
